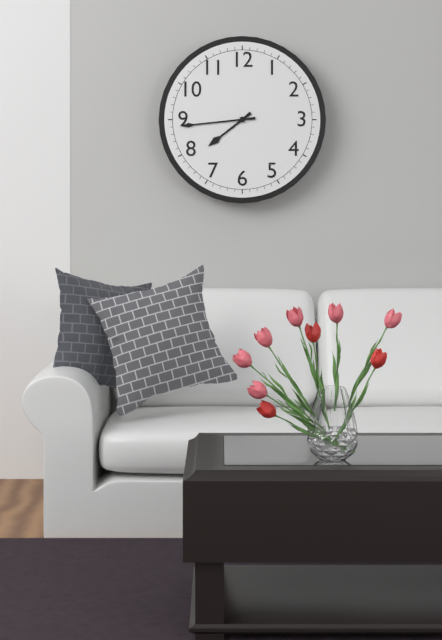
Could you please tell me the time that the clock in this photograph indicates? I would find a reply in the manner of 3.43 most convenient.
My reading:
7.44
